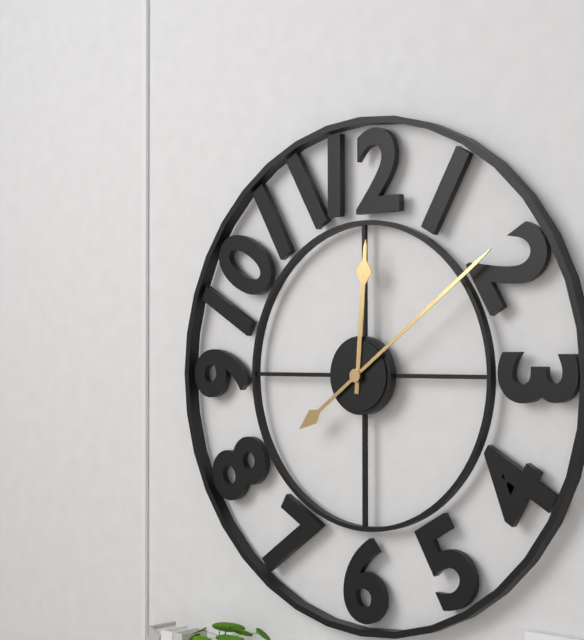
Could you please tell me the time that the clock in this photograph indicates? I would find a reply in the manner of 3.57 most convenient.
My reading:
12.09
